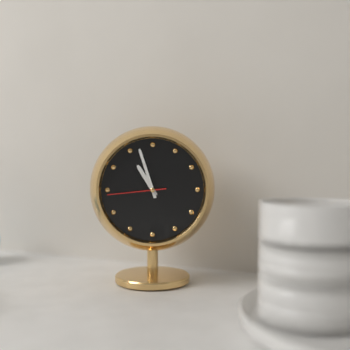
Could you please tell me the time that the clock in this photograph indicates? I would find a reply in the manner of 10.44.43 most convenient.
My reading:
10.57.44
